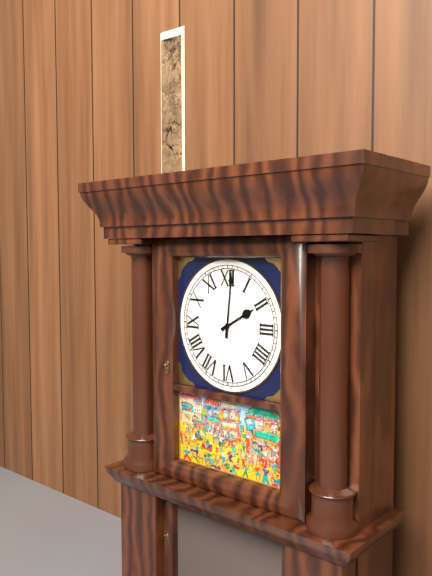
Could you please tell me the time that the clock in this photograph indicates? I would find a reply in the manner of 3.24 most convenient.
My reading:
2.01
